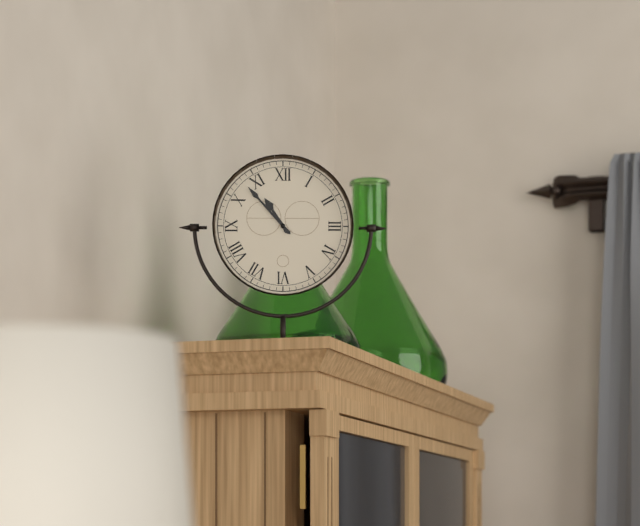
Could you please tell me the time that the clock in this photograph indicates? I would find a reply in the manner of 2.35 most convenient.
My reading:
10.53
